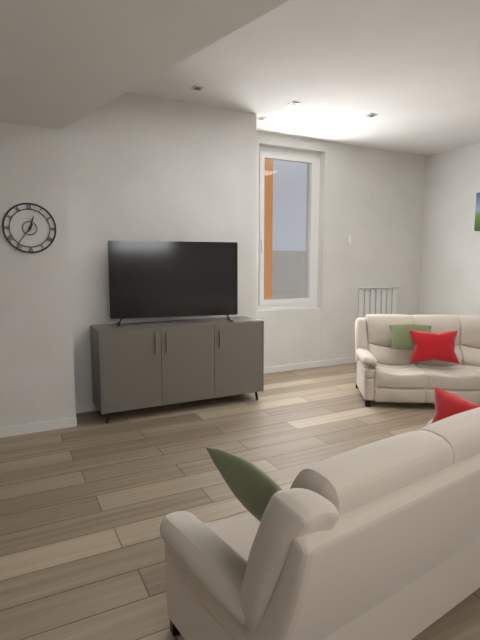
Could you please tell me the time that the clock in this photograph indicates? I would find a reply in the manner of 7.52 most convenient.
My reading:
12.36
